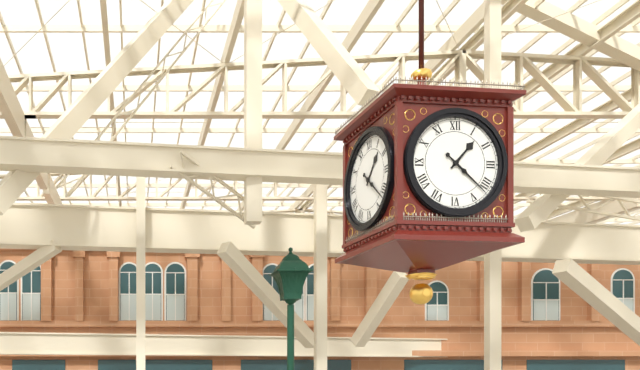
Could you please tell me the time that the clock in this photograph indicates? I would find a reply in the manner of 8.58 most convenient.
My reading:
1.22
